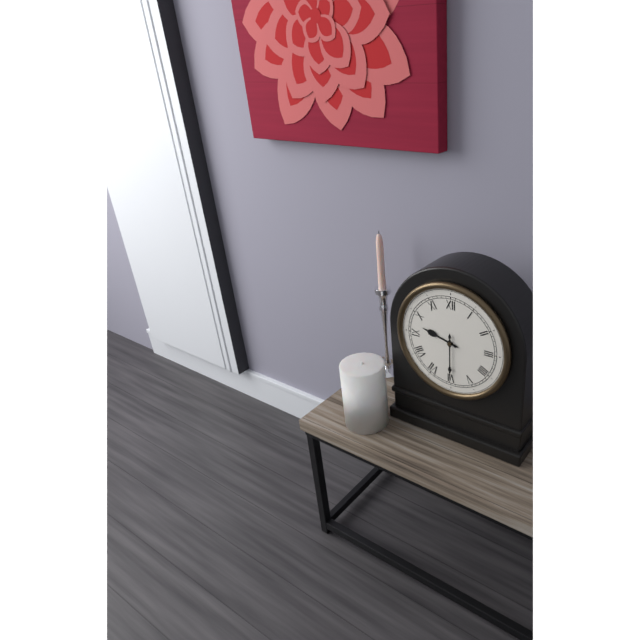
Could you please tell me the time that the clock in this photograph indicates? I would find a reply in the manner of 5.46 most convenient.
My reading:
9.30
